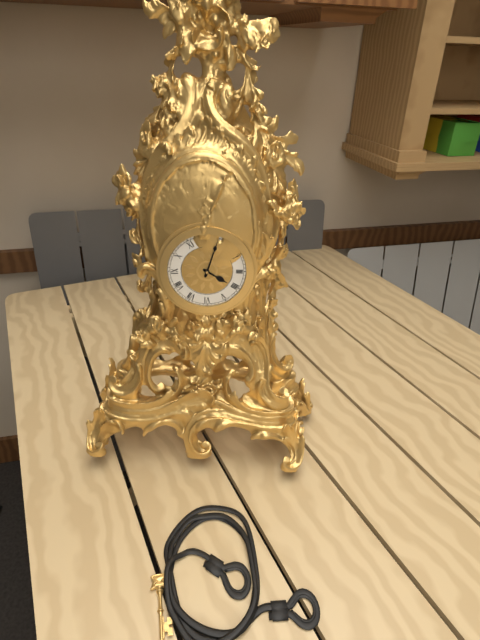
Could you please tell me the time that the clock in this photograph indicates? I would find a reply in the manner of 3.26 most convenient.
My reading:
4.03
